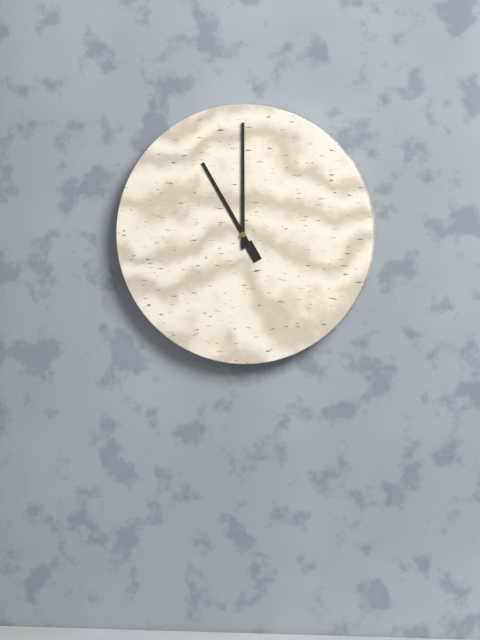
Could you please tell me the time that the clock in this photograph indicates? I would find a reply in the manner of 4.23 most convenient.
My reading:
11.00
